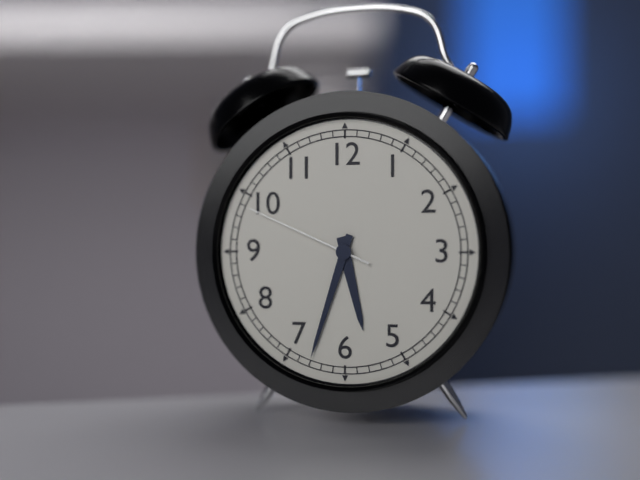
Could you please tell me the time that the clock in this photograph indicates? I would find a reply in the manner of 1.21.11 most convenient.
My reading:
5.33.49
